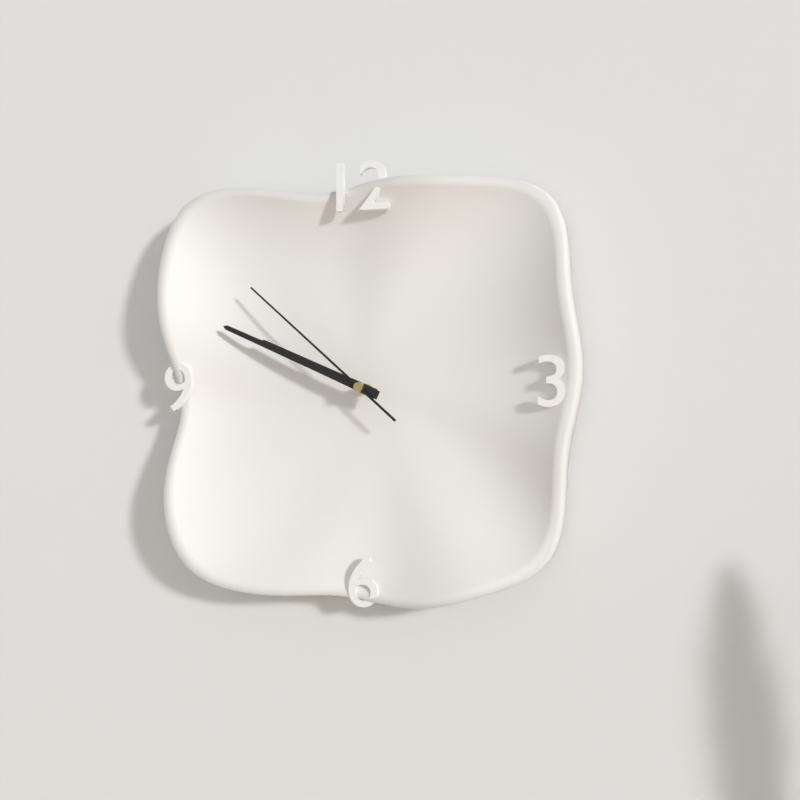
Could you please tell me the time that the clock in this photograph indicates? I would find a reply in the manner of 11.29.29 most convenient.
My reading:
9.49.52
